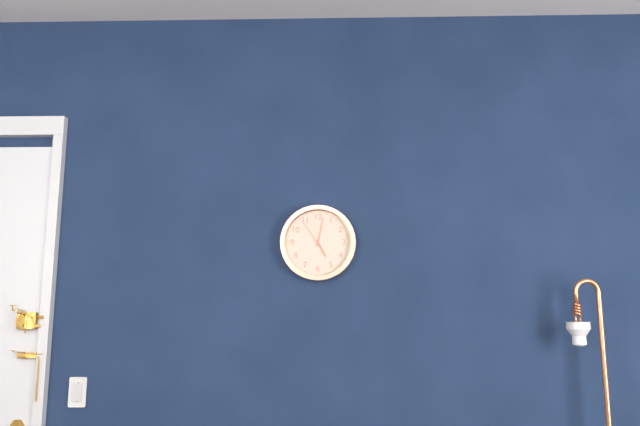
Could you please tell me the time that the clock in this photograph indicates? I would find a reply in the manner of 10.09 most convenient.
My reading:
5.02
